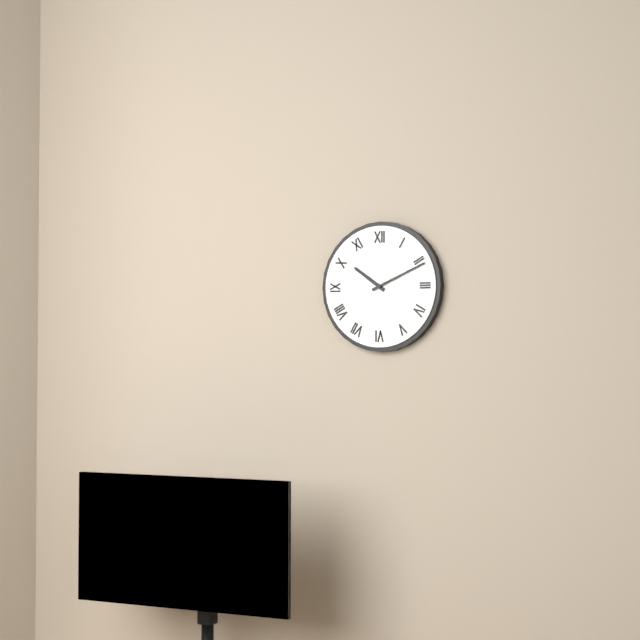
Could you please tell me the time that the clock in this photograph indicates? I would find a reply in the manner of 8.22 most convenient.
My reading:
10.11
